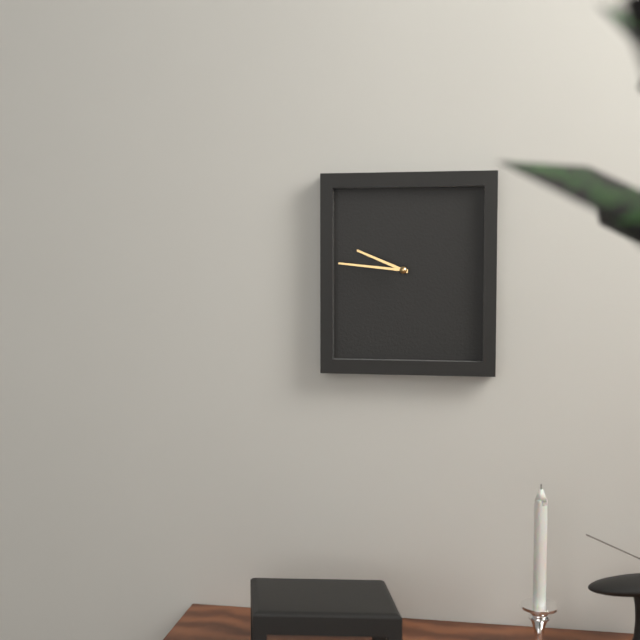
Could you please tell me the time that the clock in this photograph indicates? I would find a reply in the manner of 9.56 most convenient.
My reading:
9.46
